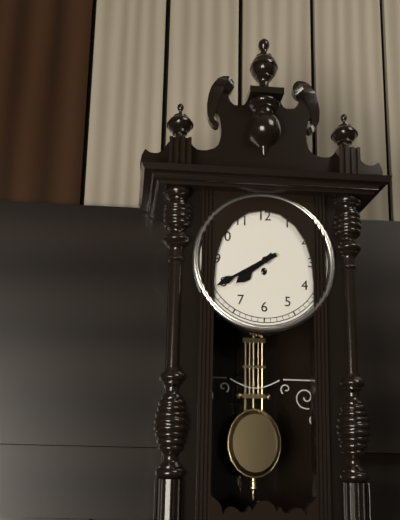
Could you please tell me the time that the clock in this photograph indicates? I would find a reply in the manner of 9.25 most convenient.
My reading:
7.40
